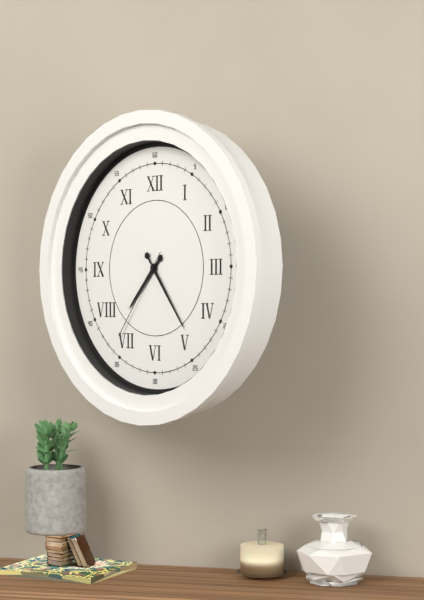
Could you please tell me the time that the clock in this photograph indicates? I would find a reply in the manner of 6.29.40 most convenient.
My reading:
7.24.36
